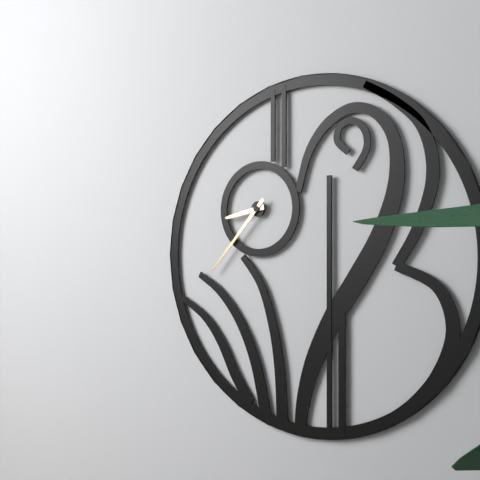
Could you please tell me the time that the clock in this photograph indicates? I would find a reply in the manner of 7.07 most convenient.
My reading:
8.37
